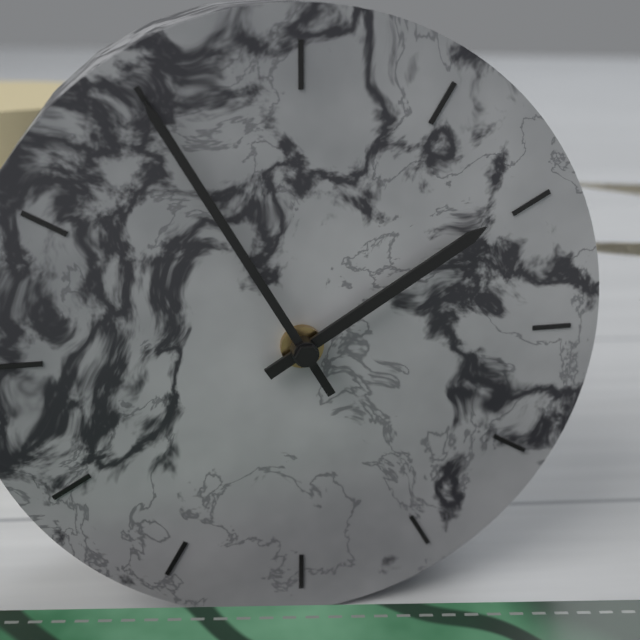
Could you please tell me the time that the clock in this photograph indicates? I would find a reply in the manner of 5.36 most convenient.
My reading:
1.55
